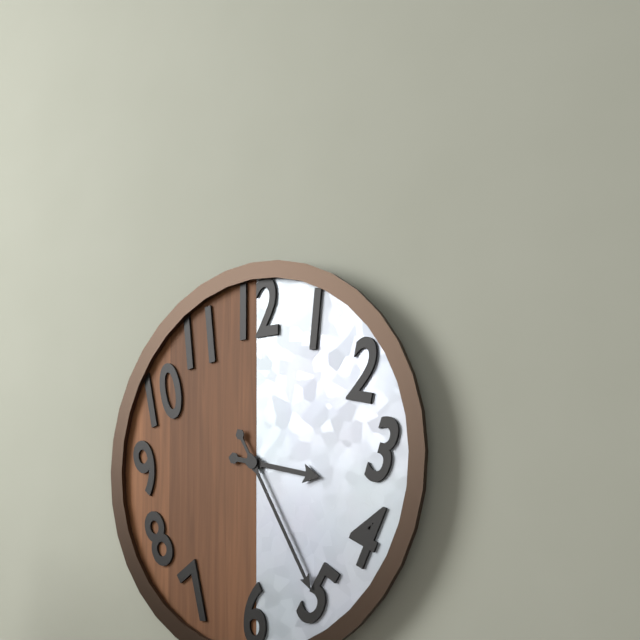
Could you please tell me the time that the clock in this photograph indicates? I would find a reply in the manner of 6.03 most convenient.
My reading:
3.25
